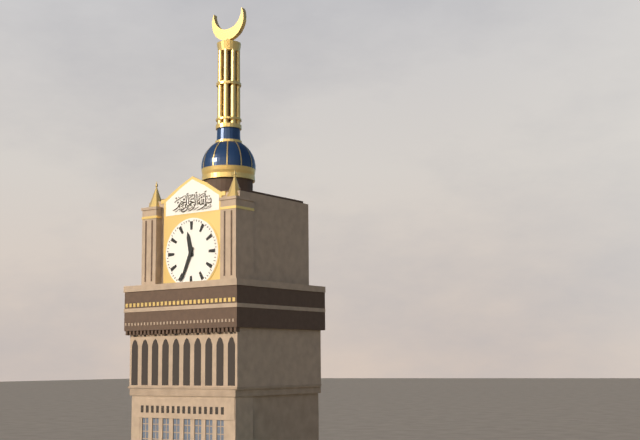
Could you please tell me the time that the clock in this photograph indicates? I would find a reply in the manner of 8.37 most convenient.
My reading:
11.34
